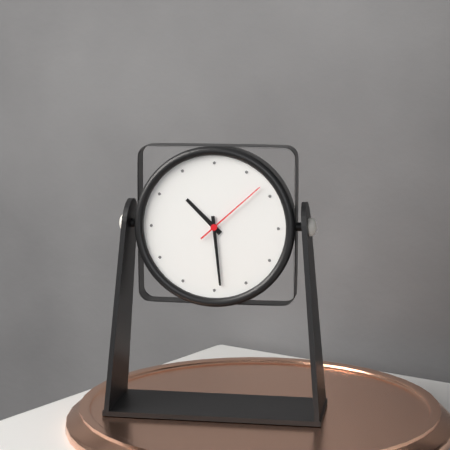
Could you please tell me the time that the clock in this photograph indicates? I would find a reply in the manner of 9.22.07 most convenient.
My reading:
10.29.08
